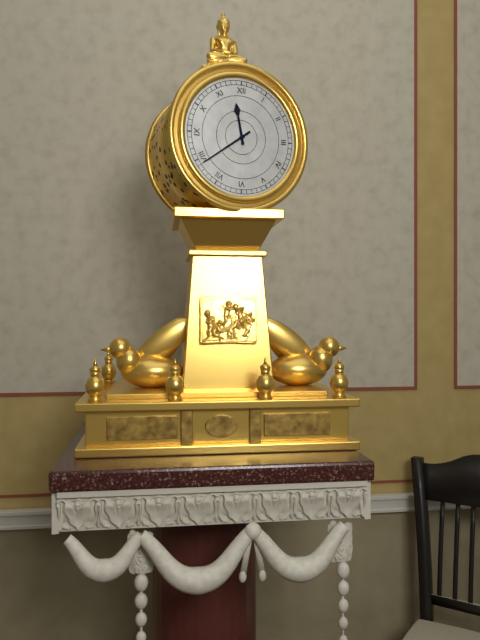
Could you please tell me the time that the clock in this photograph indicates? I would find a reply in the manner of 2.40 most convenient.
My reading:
11.39
